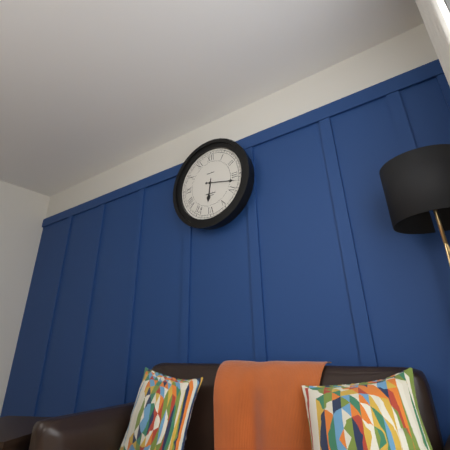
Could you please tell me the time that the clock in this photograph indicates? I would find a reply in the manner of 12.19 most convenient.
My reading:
6.17
